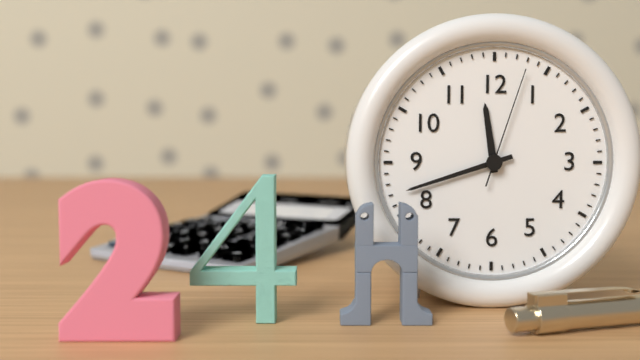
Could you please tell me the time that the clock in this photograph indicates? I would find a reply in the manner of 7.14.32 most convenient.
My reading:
11.42.03
